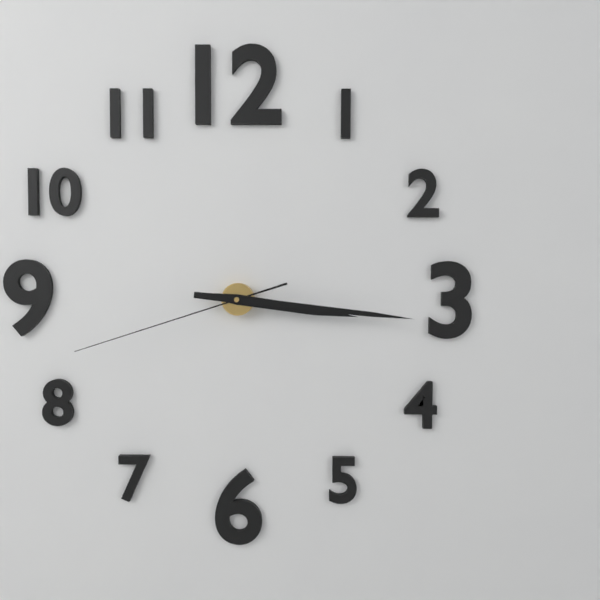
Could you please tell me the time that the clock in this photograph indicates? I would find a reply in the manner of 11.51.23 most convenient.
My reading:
3.16.42
